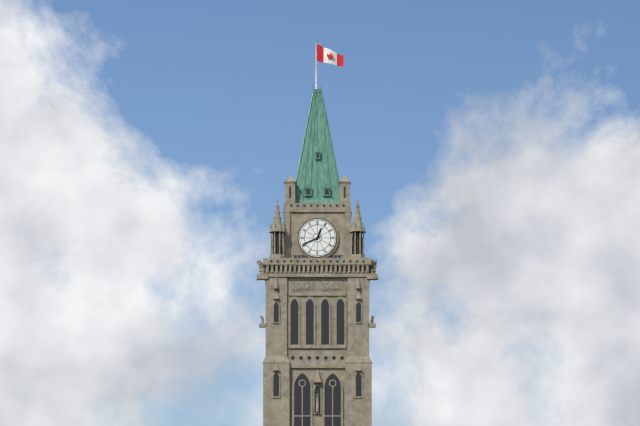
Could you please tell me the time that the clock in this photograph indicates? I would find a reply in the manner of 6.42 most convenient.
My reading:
12.41
